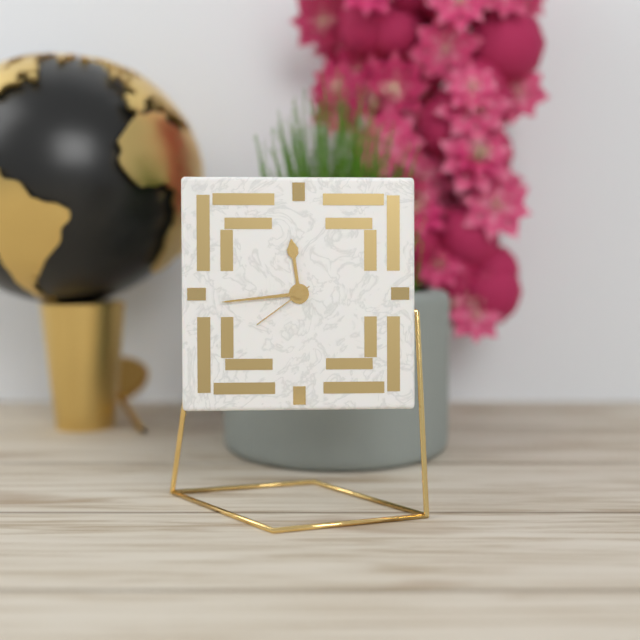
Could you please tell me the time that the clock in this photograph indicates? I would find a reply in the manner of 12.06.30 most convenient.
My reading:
11.44.39
